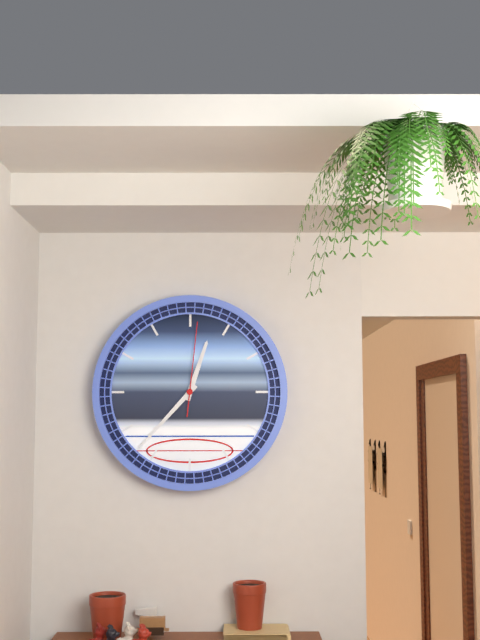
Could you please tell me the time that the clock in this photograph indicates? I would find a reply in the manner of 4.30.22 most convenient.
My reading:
12.37.01
